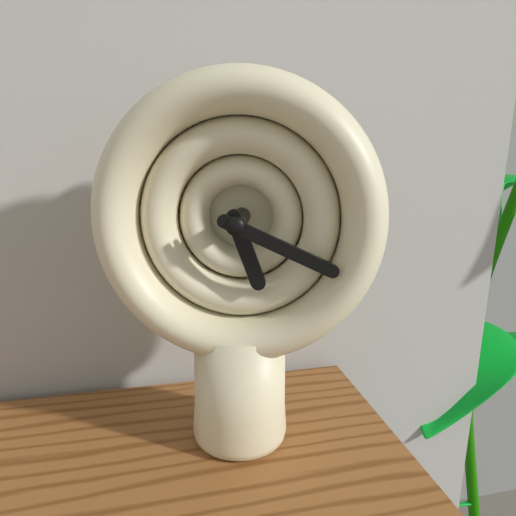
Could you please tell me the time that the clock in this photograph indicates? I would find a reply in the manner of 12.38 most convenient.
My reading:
5.19
